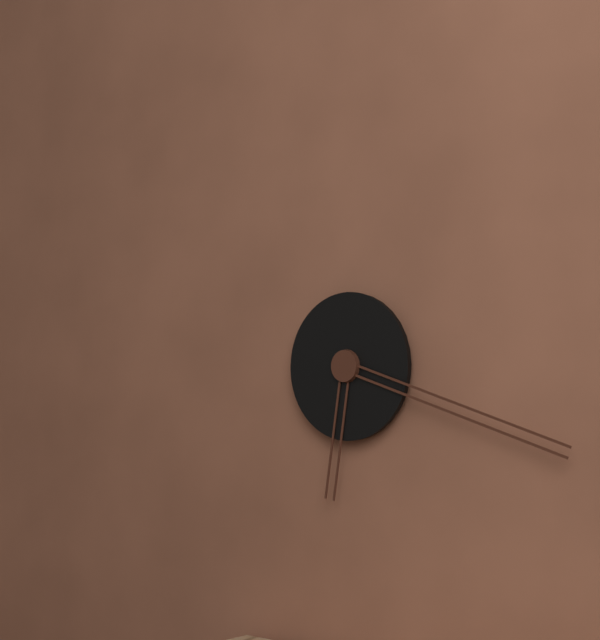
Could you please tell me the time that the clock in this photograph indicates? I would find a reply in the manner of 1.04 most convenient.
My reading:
6.18
